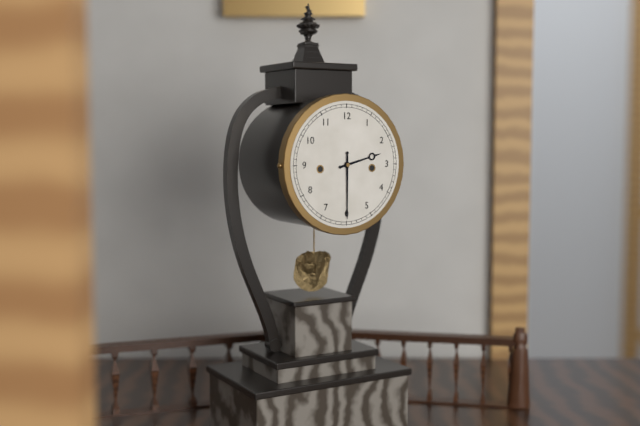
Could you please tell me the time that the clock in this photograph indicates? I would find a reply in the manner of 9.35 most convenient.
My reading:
2.30
